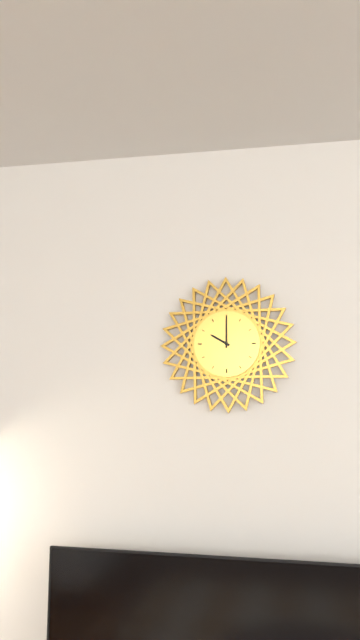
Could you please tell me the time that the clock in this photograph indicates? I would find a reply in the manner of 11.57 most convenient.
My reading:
10.00
